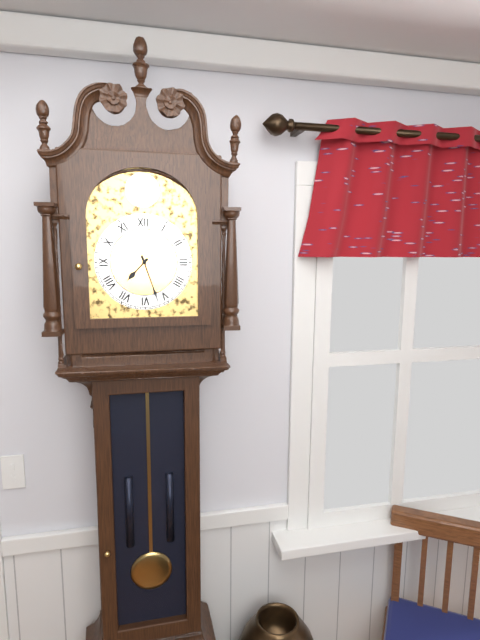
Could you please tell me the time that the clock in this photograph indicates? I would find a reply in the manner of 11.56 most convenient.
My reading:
7.27
